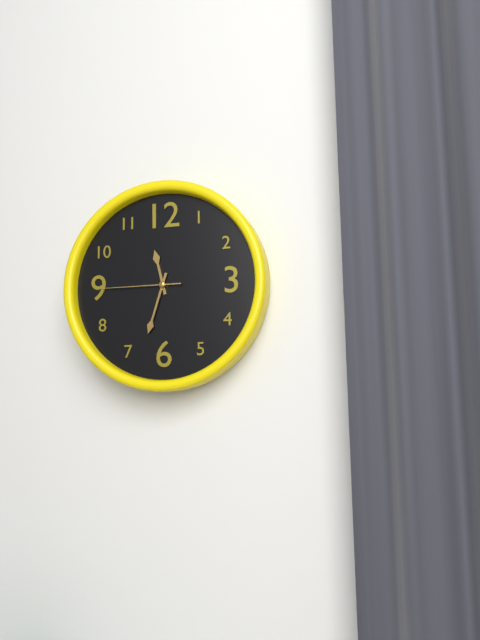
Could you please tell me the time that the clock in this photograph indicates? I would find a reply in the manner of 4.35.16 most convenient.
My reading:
11.33.45
